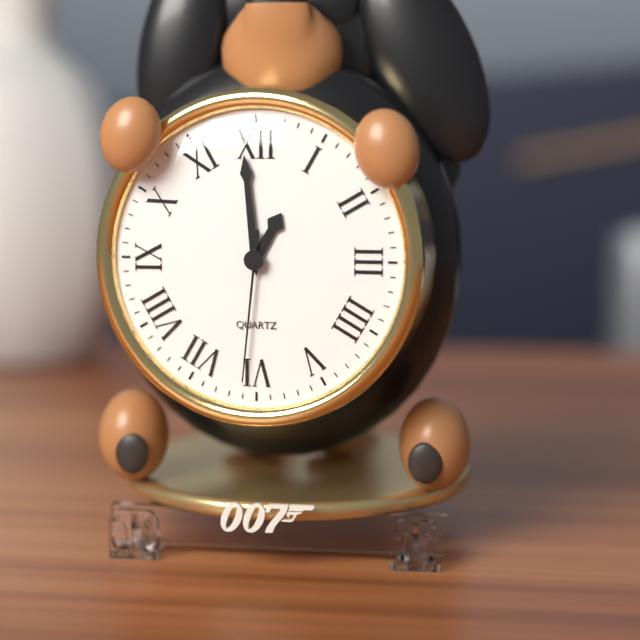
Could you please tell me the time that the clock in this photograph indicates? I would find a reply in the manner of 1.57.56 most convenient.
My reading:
12.59.31
